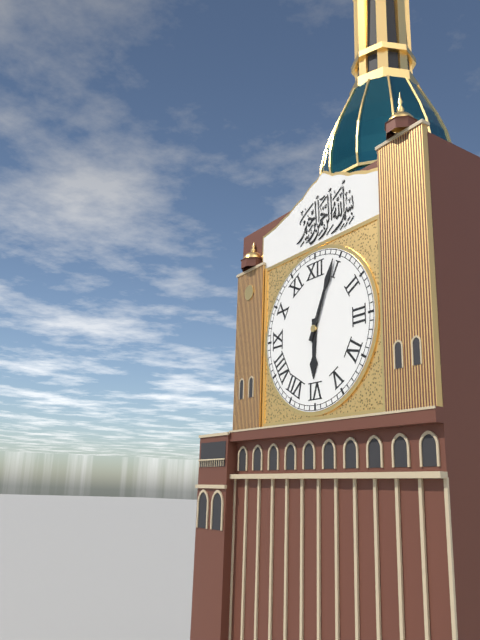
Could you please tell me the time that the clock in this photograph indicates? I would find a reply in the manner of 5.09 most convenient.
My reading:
6.04
